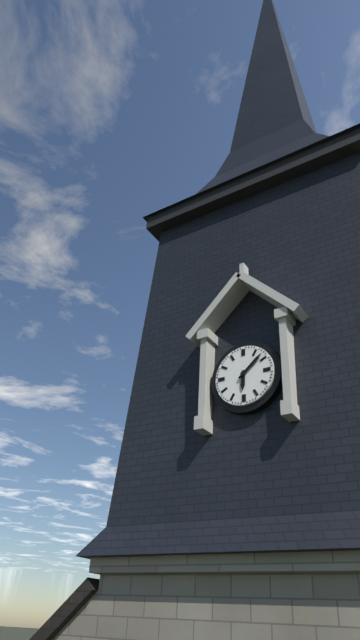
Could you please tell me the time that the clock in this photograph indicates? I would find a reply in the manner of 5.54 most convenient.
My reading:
6.08
